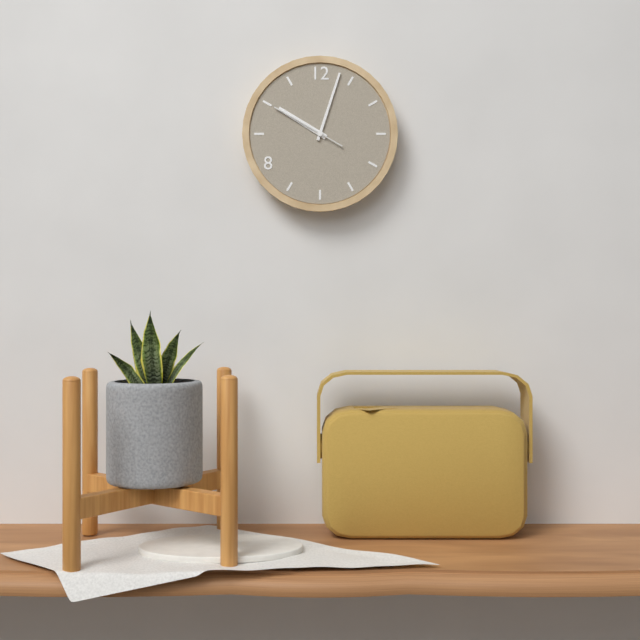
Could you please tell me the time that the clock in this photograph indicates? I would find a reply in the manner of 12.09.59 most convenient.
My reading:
10.03.50
